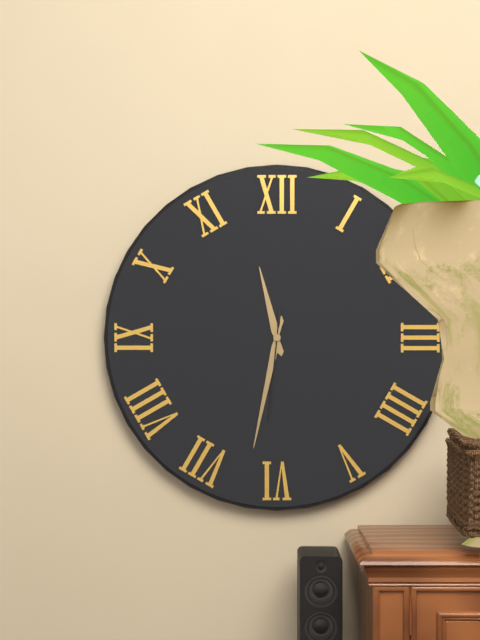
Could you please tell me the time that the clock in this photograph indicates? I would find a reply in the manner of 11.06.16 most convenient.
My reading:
11.32.31
